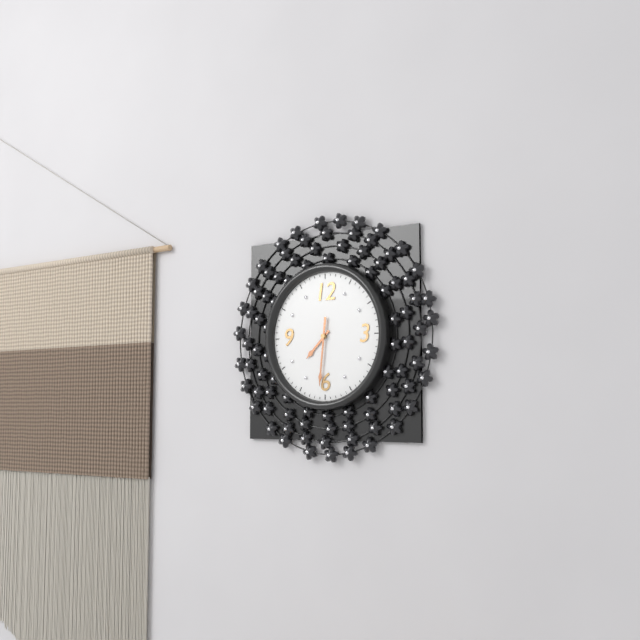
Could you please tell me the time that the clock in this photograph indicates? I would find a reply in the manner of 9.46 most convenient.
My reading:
7.31
